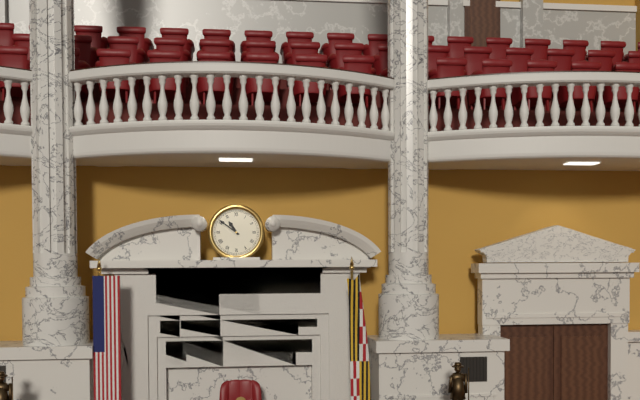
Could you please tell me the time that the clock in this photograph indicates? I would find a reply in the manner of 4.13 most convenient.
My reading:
10.51
